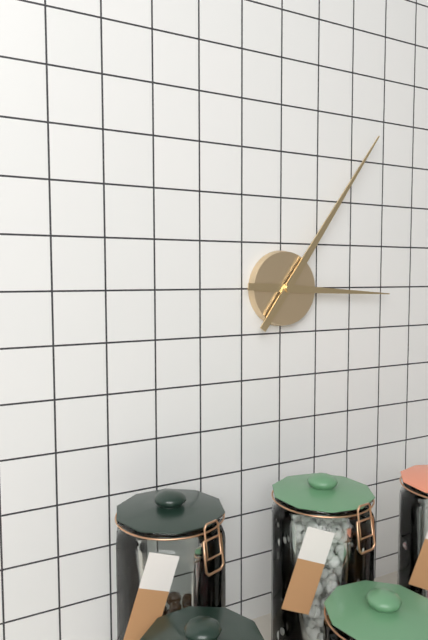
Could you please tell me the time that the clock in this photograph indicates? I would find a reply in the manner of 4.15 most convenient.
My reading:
3.06
